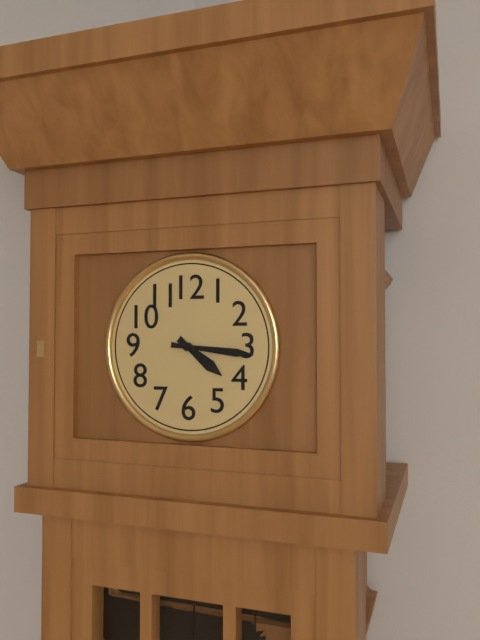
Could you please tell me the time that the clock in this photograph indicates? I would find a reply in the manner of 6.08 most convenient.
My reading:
4.16
